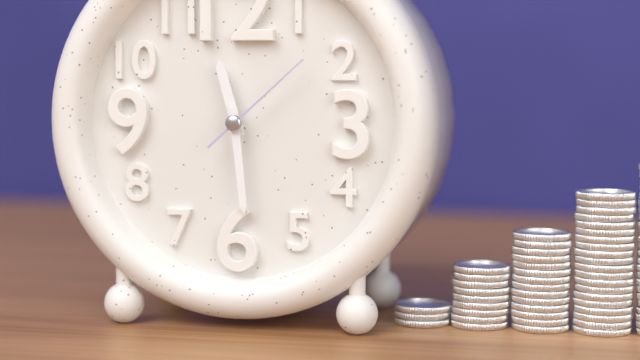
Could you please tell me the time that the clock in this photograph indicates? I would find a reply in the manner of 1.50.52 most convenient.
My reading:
11.29.08
